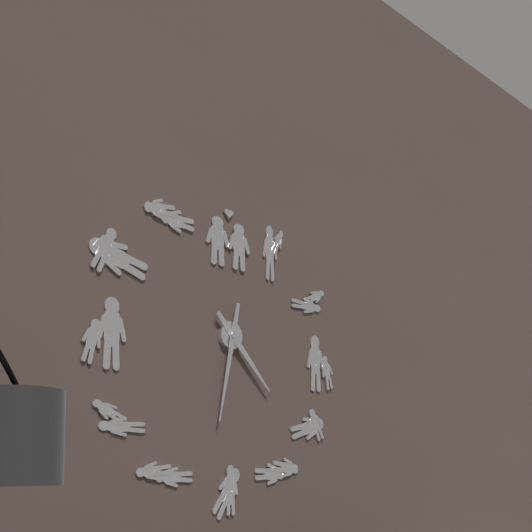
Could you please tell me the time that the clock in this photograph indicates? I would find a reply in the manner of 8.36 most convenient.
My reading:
4.32
